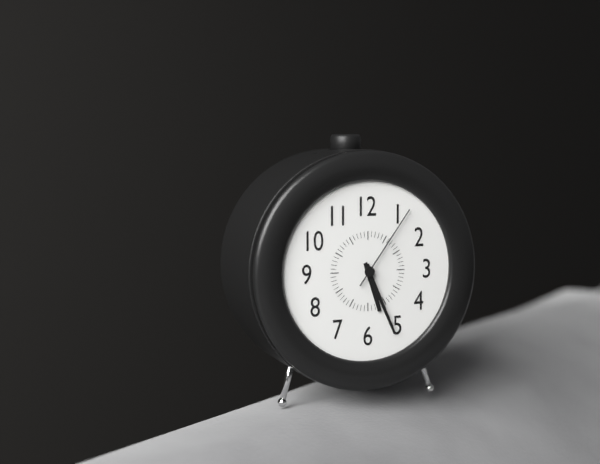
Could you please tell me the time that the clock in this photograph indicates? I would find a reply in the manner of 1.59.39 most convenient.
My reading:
5.26.06
